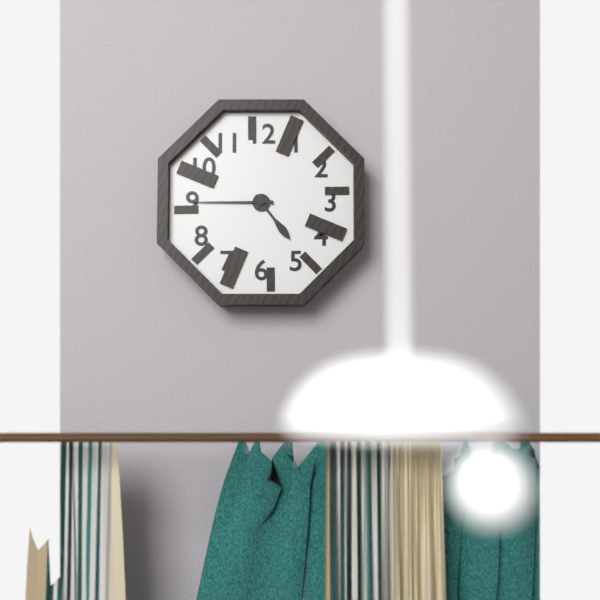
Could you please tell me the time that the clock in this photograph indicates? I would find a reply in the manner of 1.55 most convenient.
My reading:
4.45
